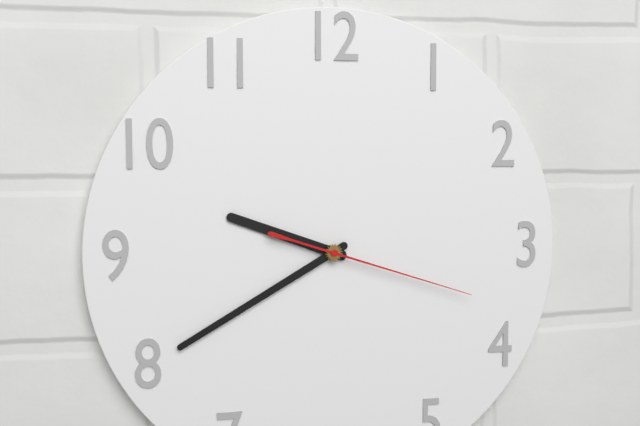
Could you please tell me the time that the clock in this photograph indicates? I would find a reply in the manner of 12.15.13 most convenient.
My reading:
9.40.18
